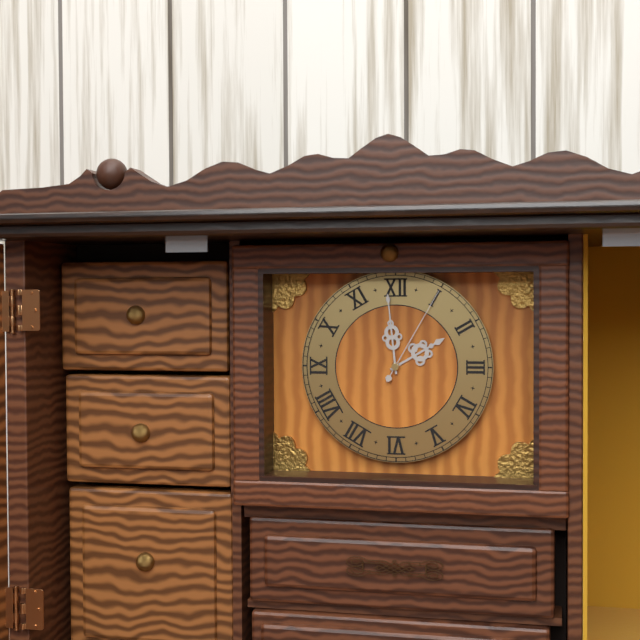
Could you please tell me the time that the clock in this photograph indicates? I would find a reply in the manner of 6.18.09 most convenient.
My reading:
1.59.05
